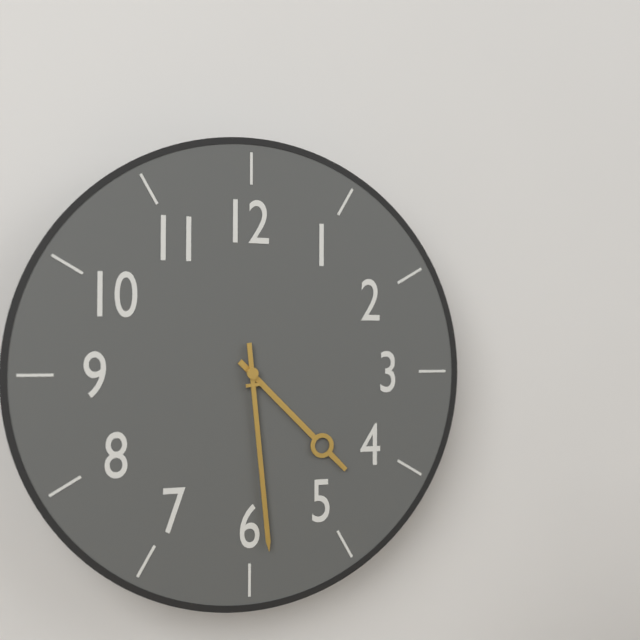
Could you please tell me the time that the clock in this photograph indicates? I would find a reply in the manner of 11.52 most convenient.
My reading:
4.29
